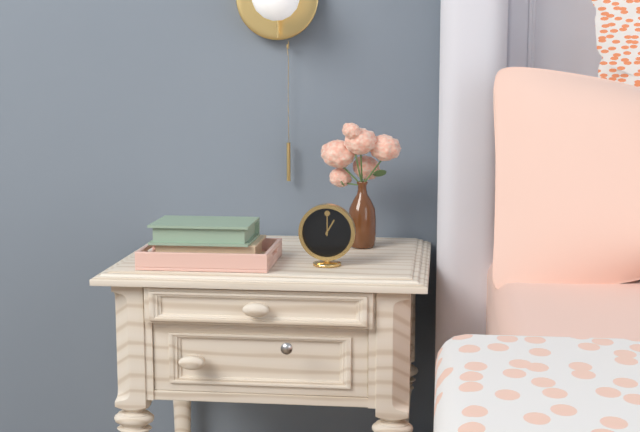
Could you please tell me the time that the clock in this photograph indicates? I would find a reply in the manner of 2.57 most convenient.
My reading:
1.00
